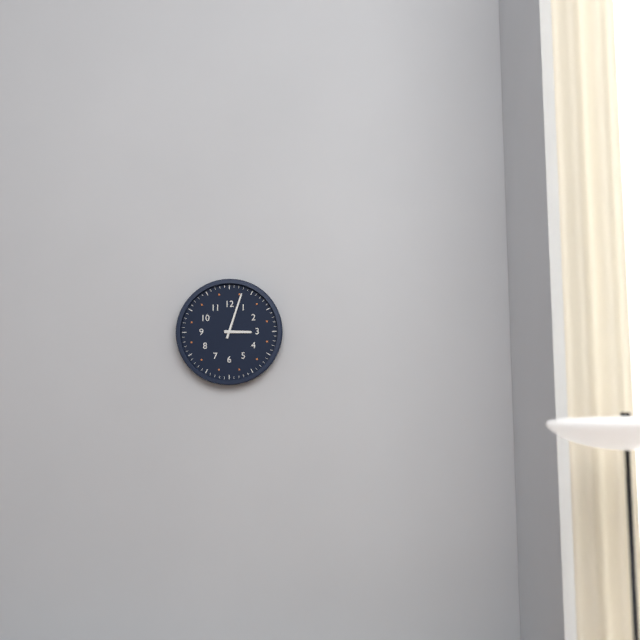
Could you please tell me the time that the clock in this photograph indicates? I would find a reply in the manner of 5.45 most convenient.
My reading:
3.03
